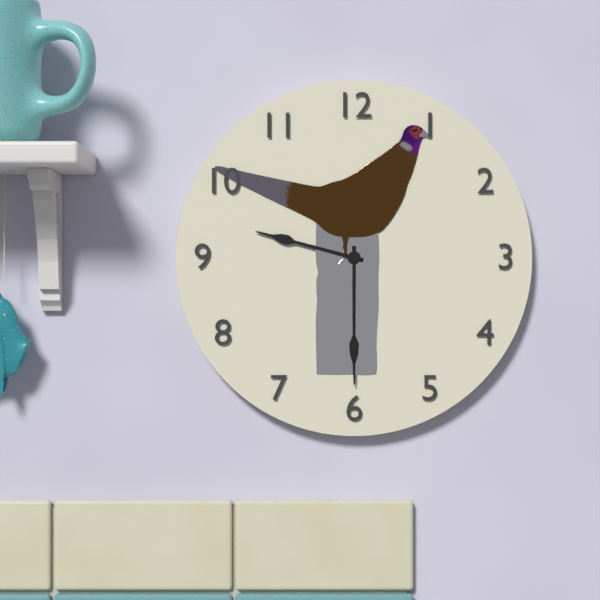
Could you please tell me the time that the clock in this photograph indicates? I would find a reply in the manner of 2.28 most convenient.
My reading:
9.30
